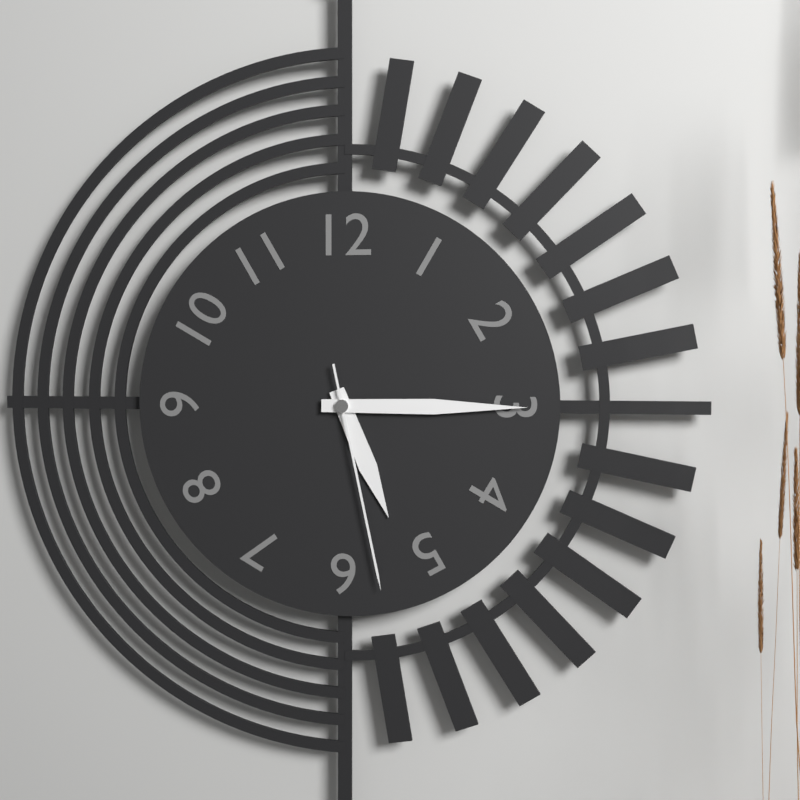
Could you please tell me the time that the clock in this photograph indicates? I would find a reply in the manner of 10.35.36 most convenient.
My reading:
5.15.28
